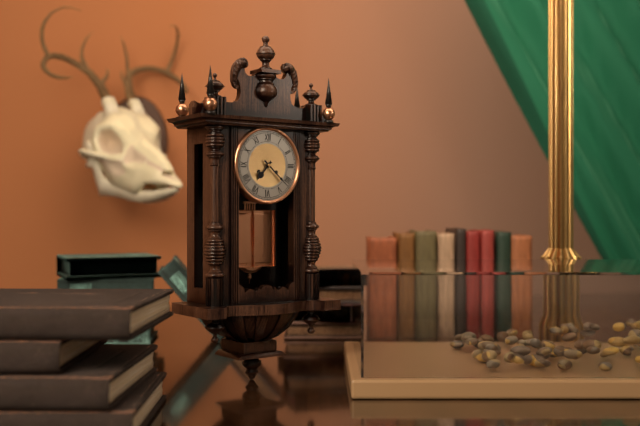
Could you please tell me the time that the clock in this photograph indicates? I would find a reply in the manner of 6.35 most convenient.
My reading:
7.22
